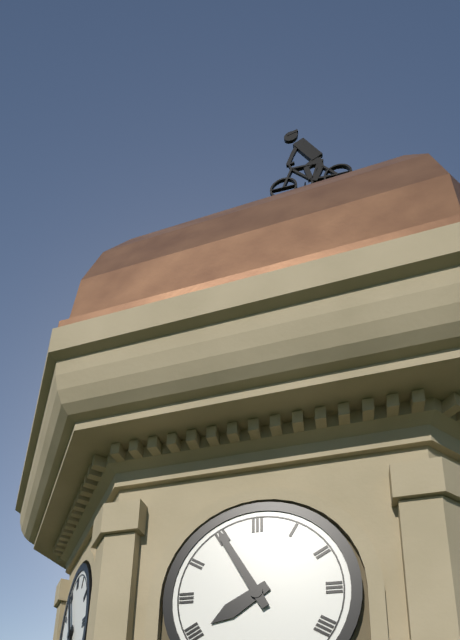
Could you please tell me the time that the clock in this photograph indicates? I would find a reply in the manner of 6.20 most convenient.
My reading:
7.55
